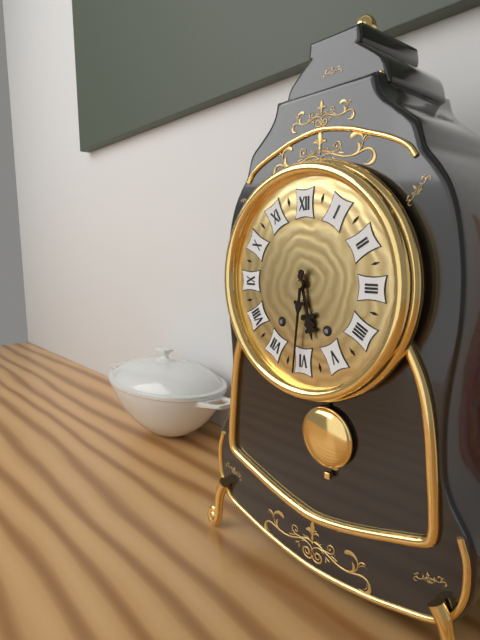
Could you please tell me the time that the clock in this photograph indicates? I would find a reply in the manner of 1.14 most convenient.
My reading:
5.31
